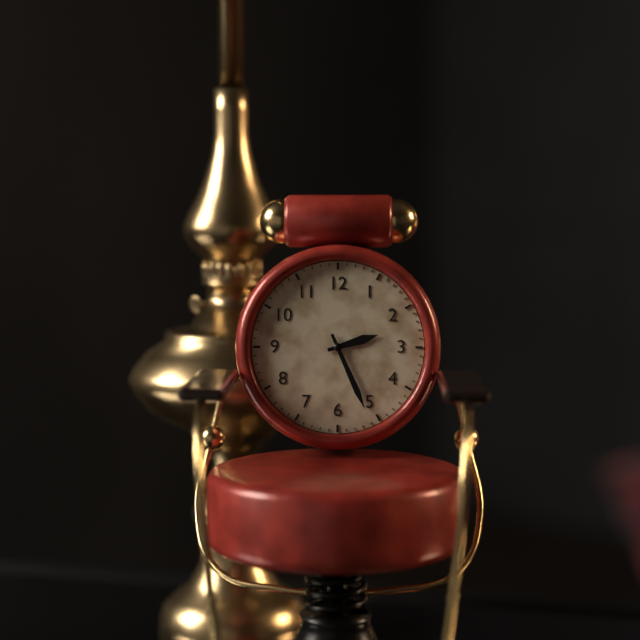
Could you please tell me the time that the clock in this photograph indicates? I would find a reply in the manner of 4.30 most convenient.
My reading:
2.26
